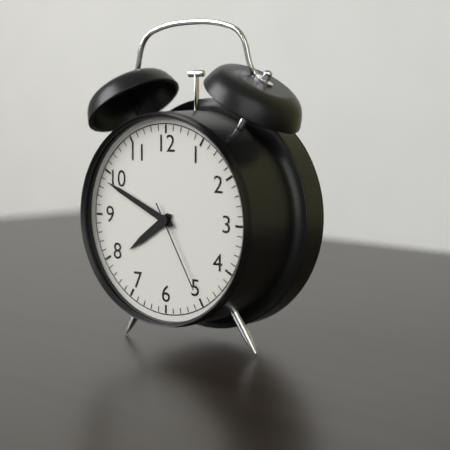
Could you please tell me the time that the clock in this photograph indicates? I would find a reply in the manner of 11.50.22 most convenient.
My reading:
7.49.25
